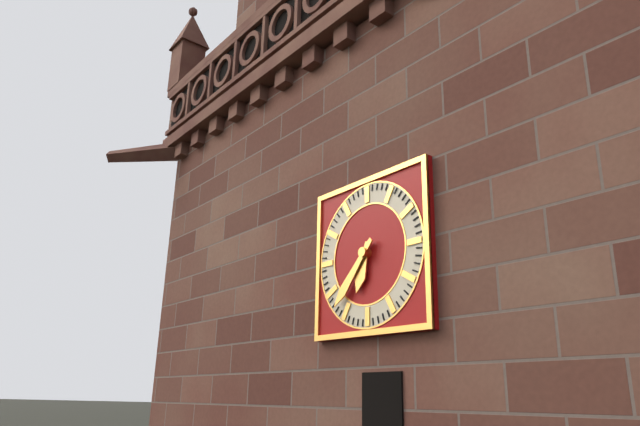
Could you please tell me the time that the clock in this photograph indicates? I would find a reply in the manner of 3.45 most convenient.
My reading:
6.37
